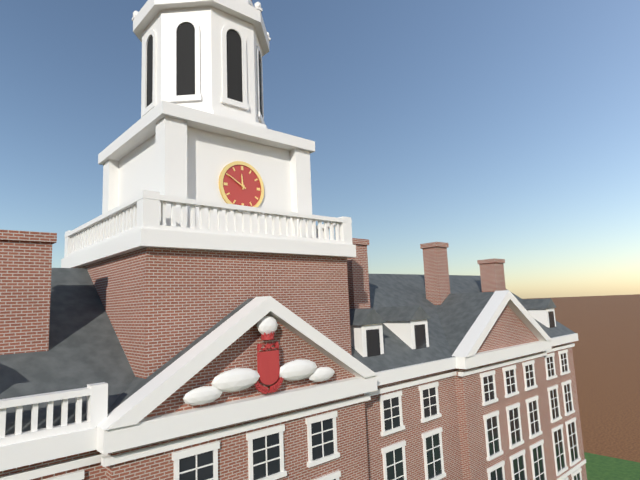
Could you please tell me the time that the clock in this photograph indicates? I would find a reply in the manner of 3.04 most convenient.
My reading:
11.50
